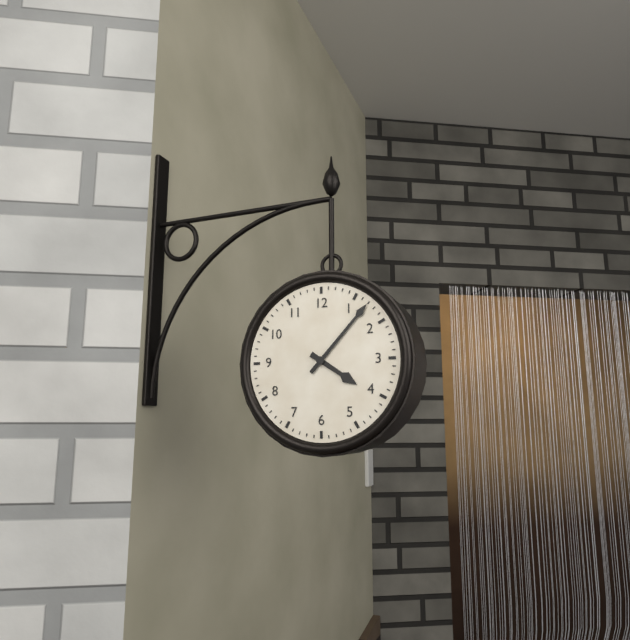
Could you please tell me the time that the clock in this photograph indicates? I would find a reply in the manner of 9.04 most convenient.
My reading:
4.07
